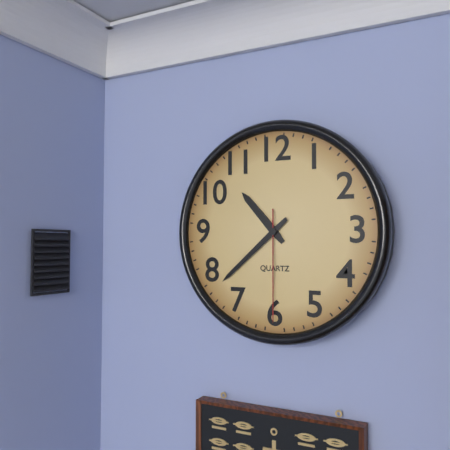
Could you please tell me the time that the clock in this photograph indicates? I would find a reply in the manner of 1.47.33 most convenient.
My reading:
10.38.30
